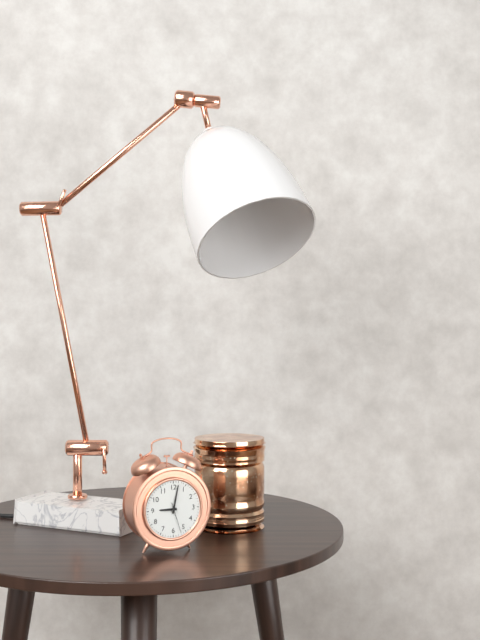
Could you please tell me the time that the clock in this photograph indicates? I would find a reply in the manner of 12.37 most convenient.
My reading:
9.02
